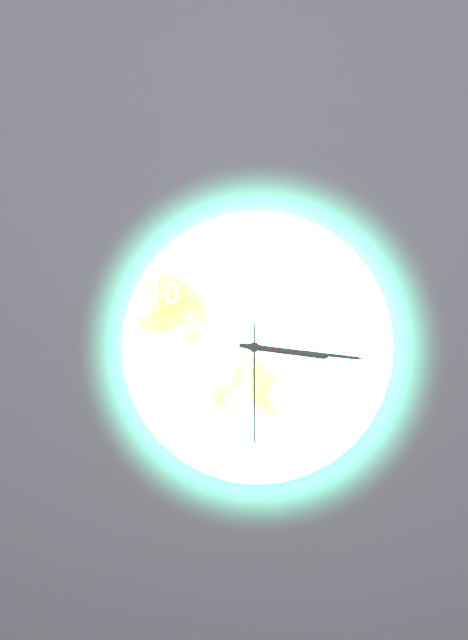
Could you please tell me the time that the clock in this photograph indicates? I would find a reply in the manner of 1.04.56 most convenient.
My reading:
3.16.30
